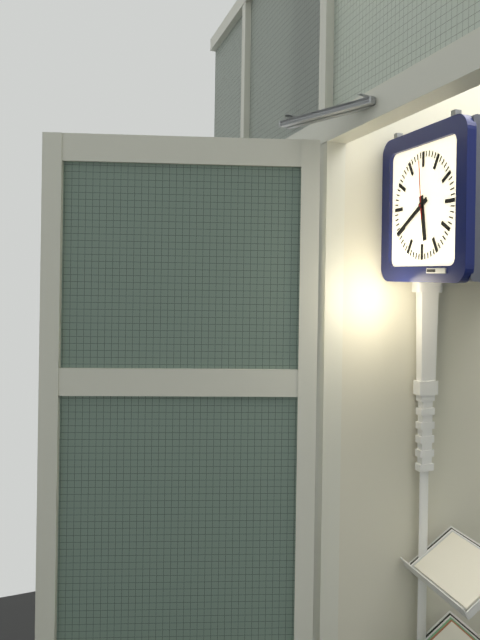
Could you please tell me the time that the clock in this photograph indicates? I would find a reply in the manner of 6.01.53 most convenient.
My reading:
5.40.59
